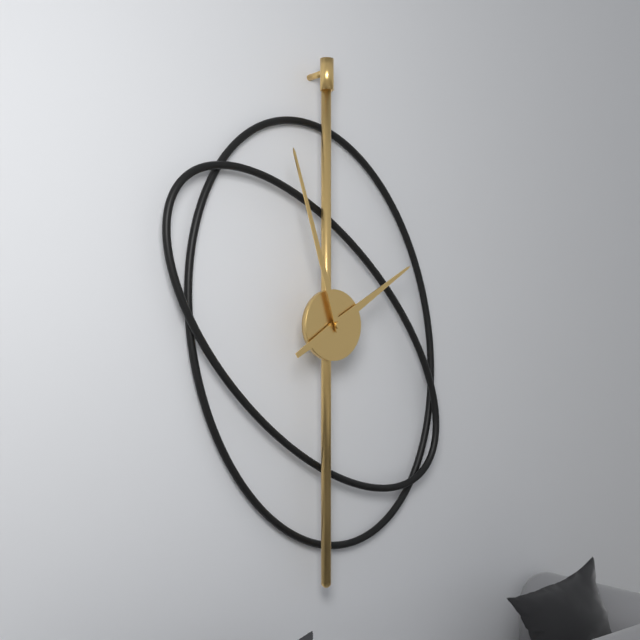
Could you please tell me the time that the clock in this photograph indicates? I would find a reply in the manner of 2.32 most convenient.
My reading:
1.57
